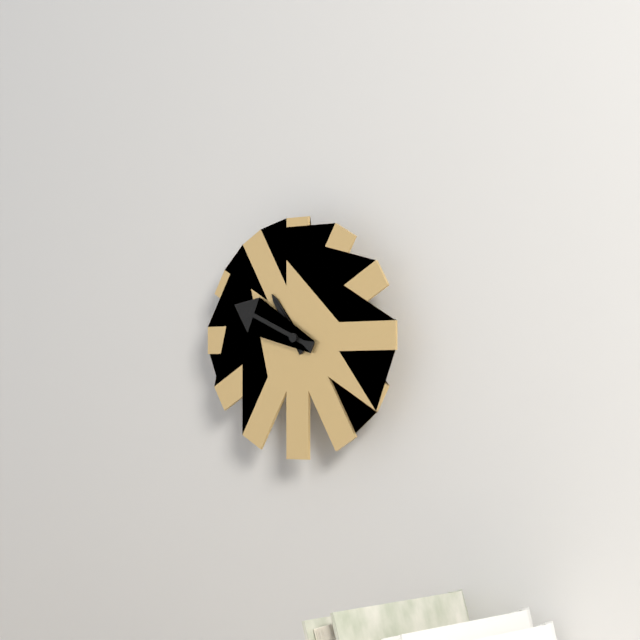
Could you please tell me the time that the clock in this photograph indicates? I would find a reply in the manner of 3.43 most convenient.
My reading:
10.49
